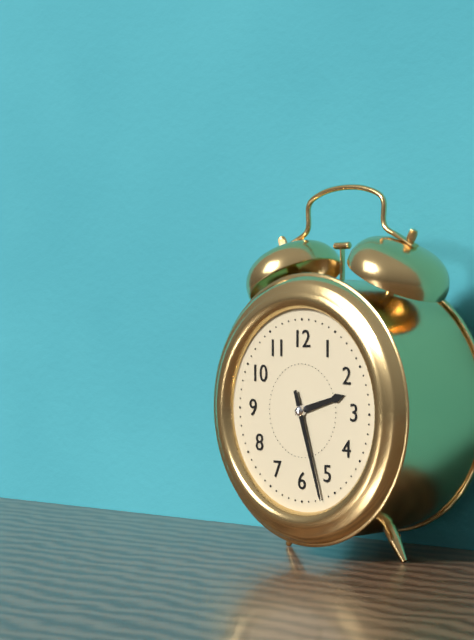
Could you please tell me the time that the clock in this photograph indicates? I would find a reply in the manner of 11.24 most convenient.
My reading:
2.27
